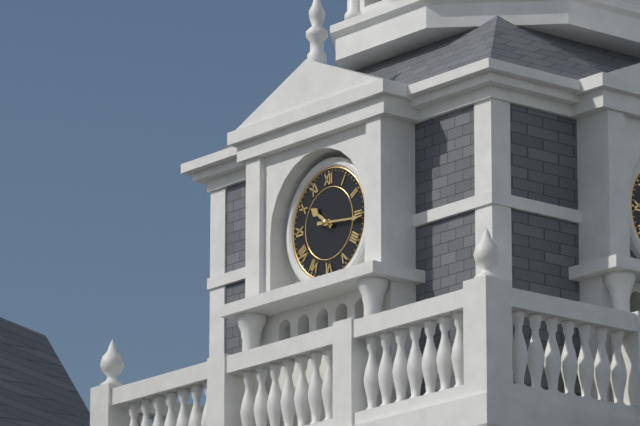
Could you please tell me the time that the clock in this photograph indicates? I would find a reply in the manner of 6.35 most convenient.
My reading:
10.16
